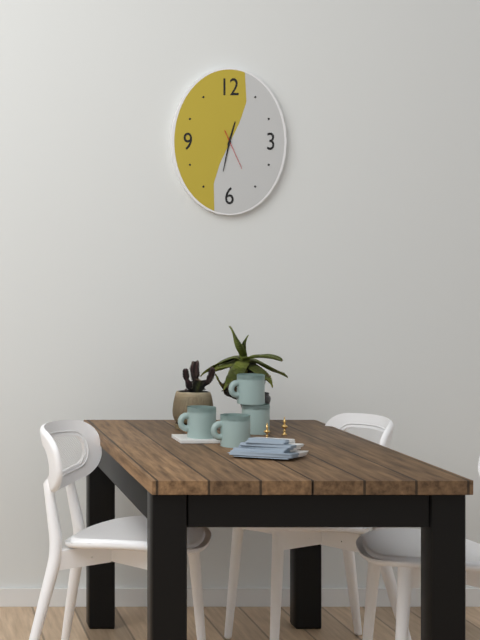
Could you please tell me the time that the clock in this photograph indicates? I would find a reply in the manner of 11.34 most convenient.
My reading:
12.32
